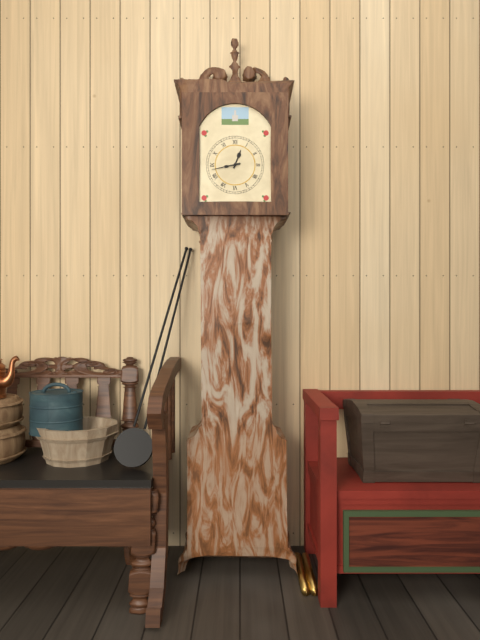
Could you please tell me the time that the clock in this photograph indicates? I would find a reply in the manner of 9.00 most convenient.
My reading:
12.43
